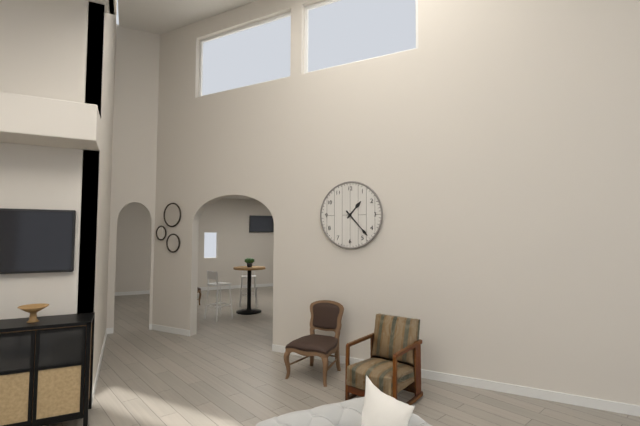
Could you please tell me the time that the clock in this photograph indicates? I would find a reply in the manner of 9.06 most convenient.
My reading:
1.23
